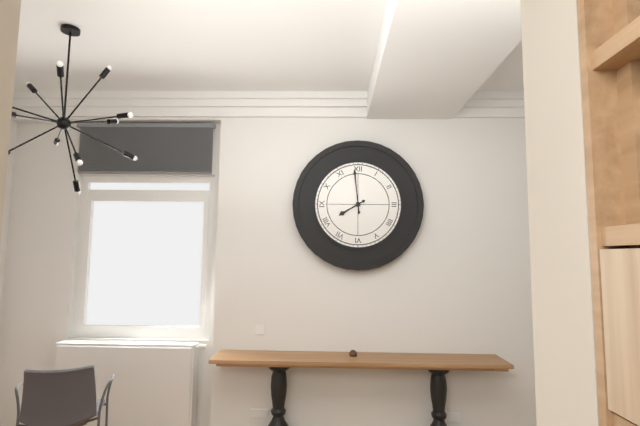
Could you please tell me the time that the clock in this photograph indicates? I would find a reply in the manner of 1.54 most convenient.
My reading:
7.59
